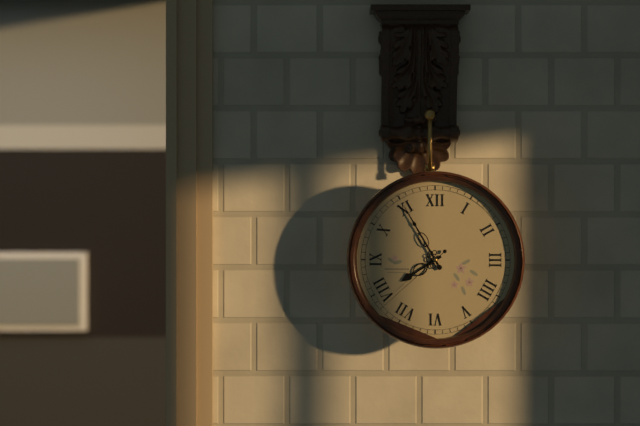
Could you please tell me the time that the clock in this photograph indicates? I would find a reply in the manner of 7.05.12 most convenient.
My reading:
7.55.38
